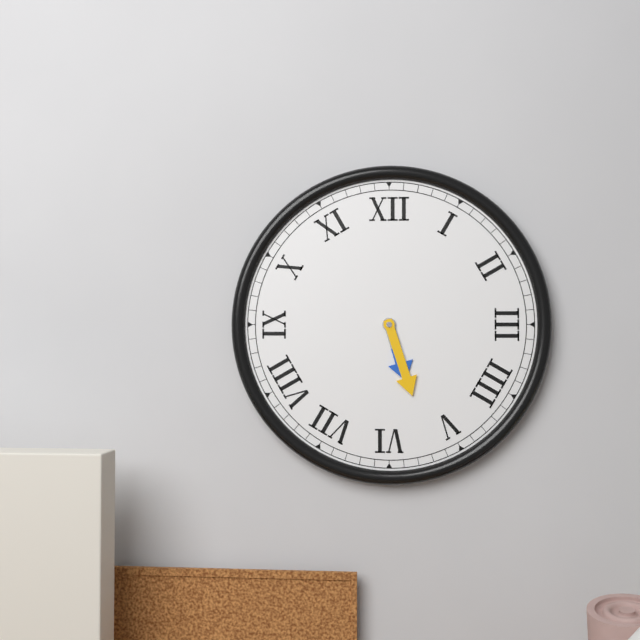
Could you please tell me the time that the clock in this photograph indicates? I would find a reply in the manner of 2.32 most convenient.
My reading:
5.27
